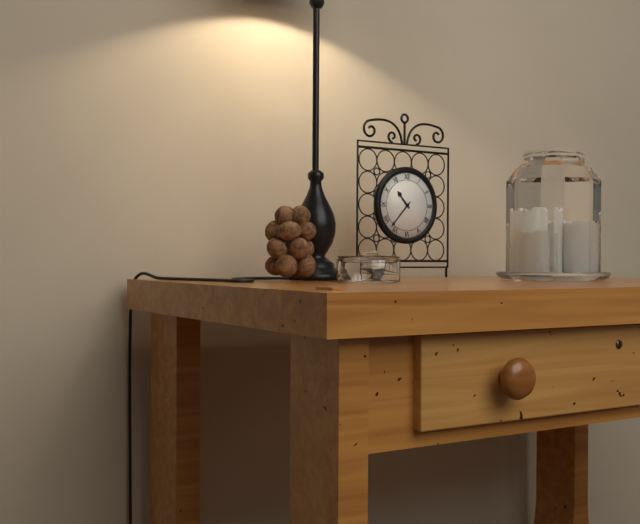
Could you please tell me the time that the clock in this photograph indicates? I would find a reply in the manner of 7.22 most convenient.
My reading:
10.37
